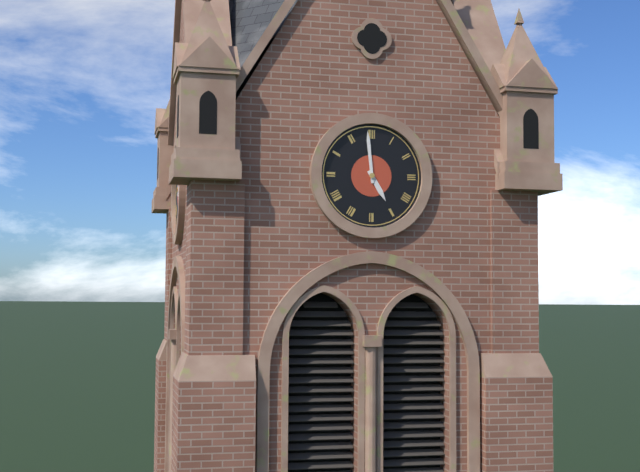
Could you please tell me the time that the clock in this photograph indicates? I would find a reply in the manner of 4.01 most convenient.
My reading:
4.59
